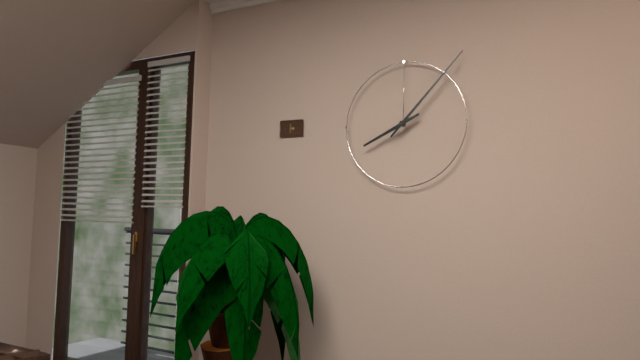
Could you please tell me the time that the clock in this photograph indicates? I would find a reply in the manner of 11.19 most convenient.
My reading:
8.07
